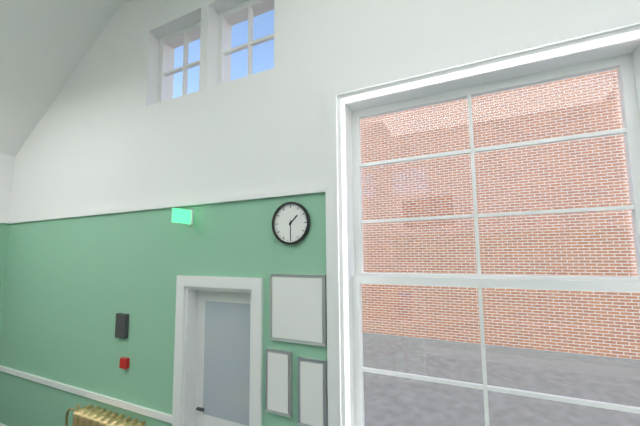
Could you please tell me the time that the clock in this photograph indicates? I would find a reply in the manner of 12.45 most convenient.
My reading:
1.30
